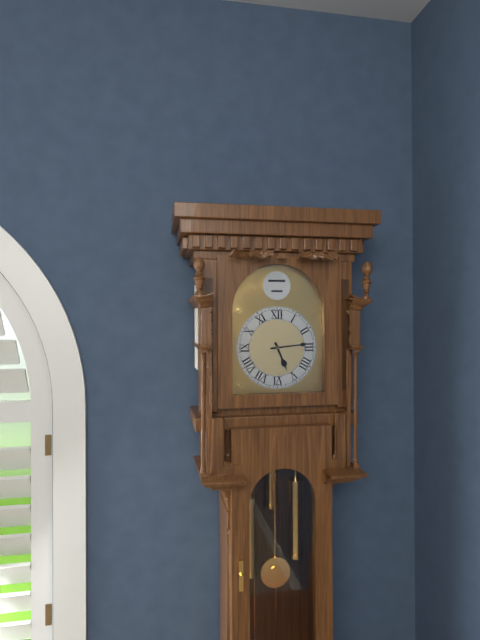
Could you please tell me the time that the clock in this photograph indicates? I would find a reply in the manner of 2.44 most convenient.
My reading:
5.14
